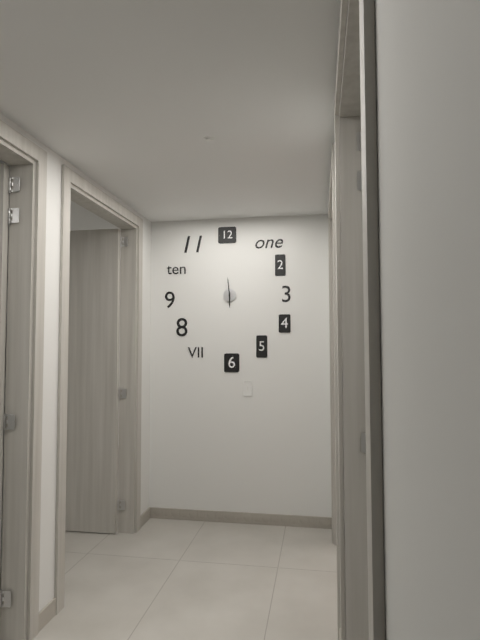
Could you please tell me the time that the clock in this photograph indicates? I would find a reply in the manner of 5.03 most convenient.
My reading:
5.59
